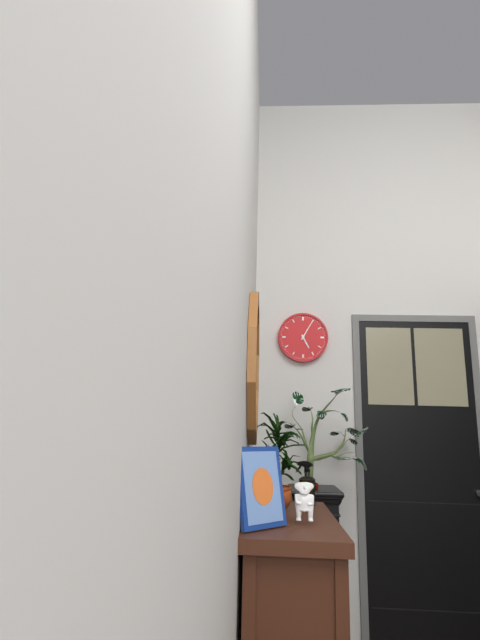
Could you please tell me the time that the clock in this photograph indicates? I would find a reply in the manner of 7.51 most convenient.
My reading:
5.05
